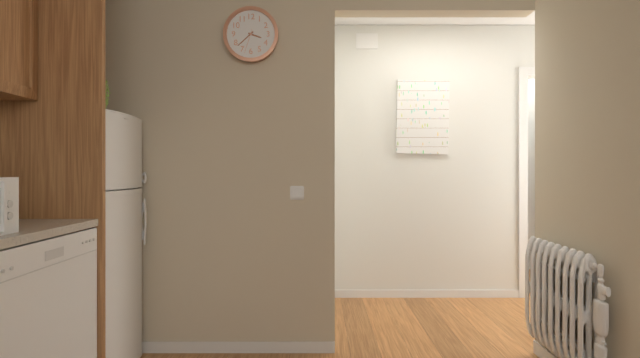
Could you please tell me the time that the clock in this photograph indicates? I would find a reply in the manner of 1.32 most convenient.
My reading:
3.38
